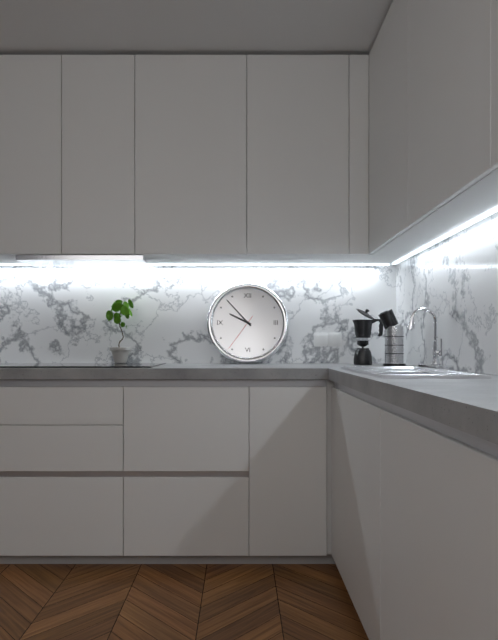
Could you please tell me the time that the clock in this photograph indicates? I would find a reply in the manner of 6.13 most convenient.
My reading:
9.53
